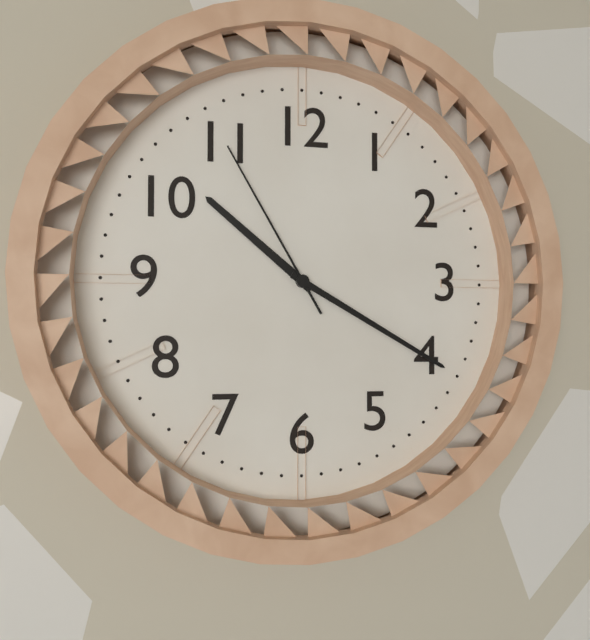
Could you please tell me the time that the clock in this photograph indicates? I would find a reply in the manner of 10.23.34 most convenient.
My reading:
10.20.55
